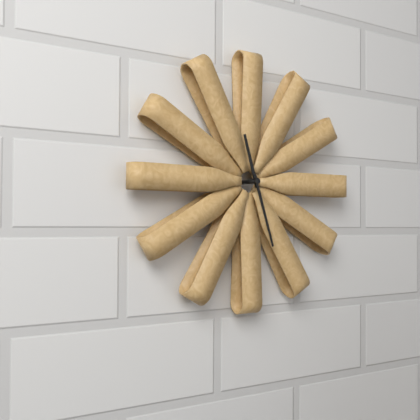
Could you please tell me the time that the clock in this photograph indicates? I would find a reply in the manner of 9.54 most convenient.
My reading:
11.27
